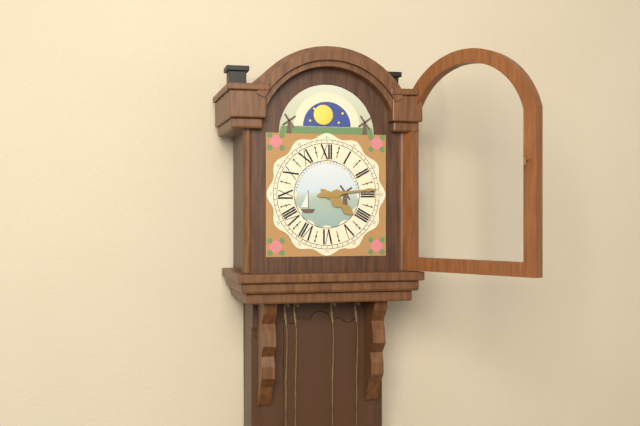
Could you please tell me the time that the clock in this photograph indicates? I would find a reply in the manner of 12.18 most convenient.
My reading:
4.14
